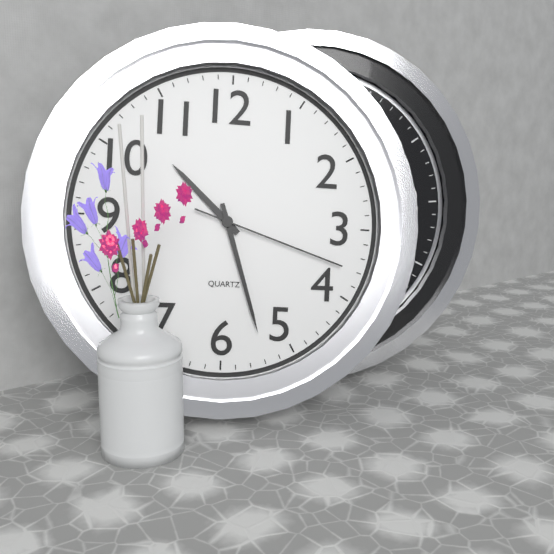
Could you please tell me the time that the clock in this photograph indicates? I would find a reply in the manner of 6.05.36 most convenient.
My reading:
10.27.18
